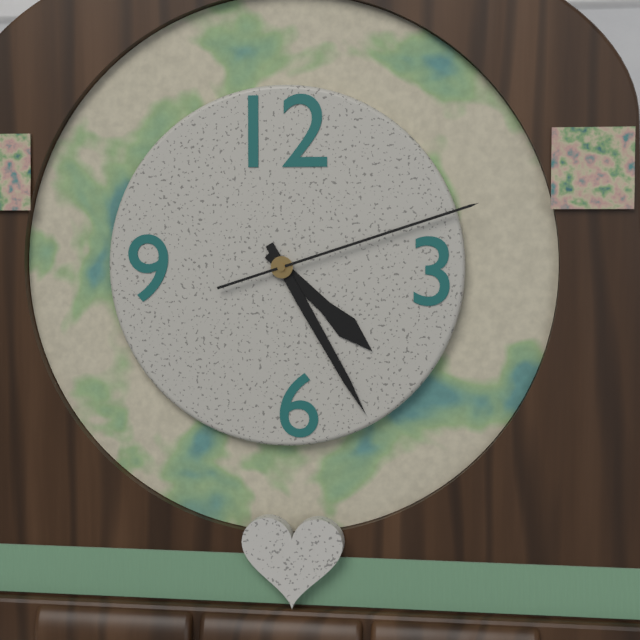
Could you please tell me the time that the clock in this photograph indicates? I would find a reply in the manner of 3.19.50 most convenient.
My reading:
4.25.12
